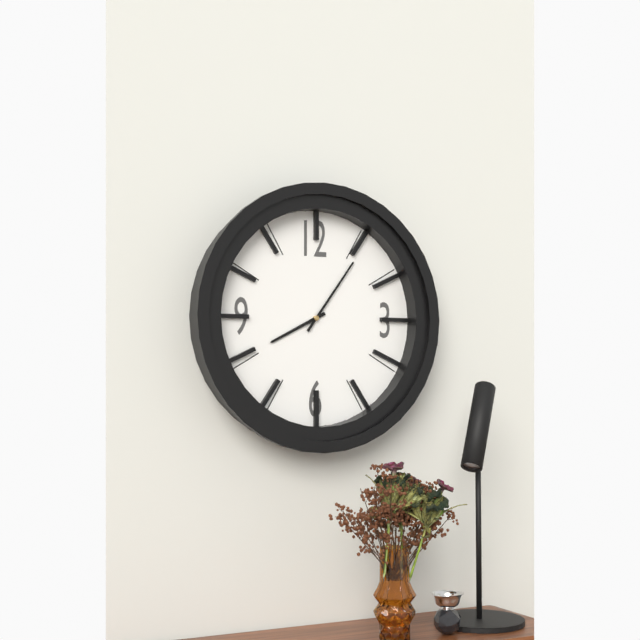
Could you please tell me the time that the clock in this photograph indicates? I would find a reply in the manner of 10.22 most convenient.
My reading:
8.06
